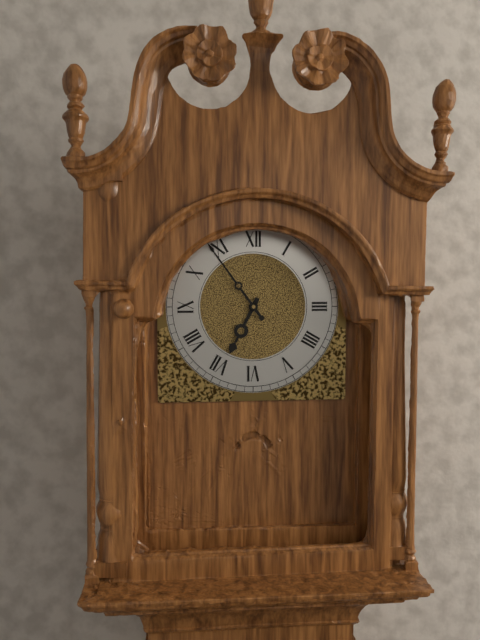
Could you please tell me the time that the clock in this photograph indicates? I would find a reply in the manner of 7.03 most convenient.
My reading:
6.54
